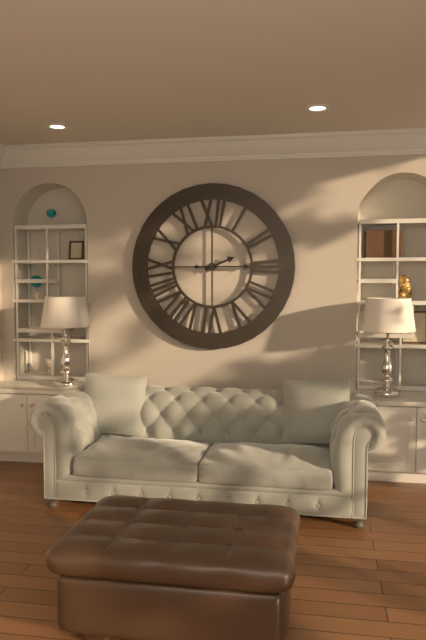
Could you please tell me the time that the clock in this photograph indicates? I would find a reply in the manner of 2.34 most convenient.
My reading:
2.15
